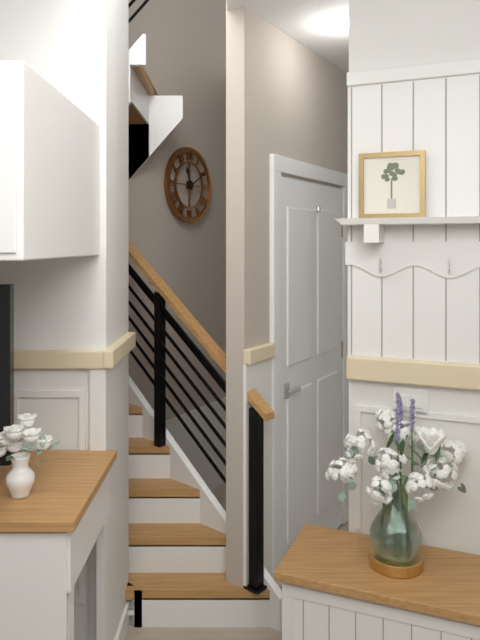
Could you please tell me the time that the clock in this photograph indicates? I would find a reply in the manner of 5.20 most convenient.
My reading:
11.10
